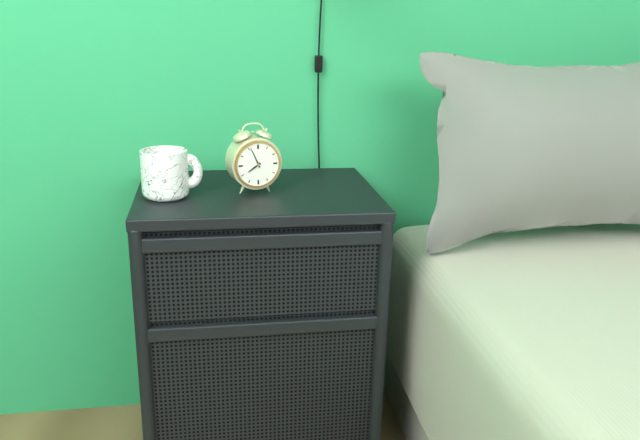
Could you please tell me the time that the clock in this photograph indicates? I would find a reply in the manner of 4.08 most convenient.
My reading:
7.56
